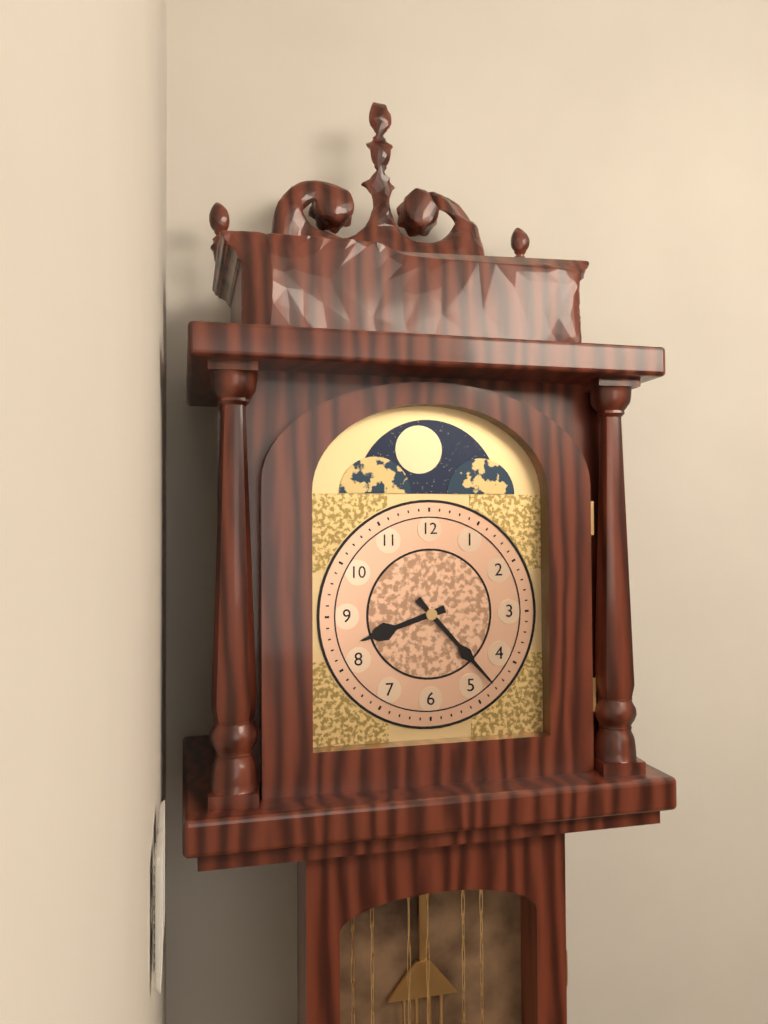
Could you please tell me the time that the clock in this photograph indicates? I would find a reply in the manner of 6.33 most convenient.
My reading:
8.23
